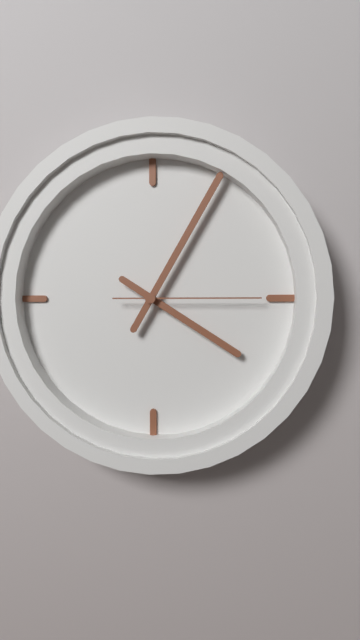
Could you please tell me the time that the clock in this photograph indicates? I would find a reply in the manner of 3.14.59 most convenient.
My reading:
4.05.15
